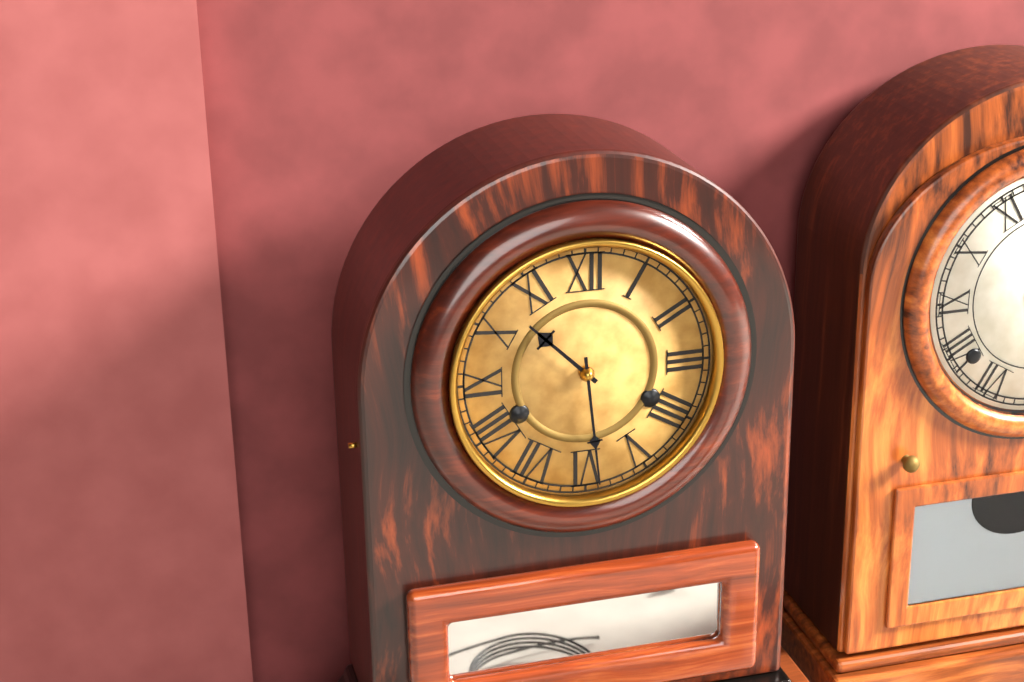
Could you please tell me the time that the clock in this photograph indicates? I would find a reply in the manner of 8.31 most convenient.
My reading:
10.29
